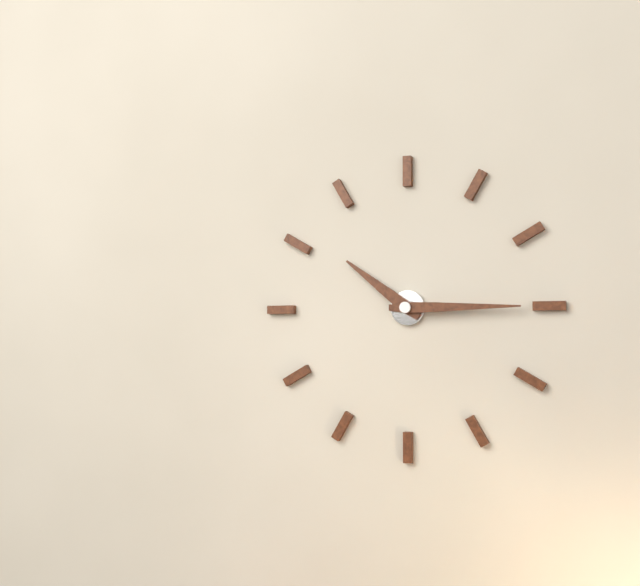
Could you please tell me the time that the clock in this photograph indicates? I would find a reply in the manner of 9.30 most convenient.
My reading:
10.15
